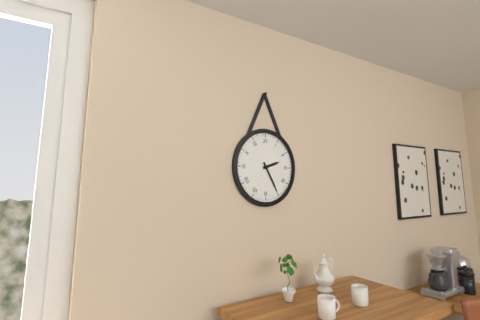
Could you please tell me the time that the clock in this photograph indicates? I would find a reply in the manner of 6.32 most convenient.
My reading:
2.25
